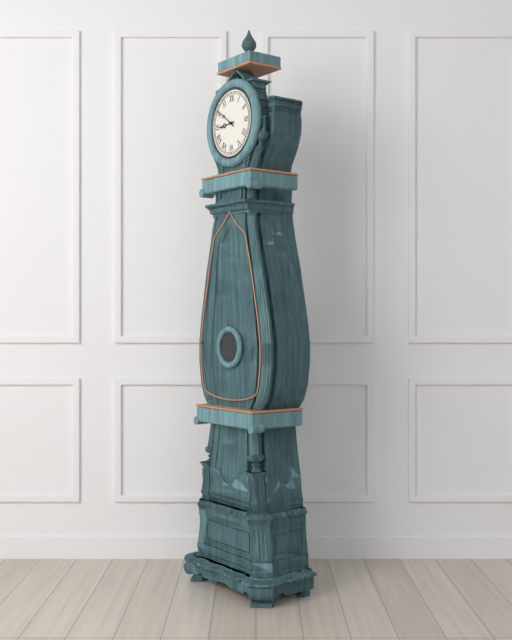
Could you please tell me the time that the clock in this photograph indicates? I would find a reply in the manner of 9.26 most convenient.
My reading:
8.51
